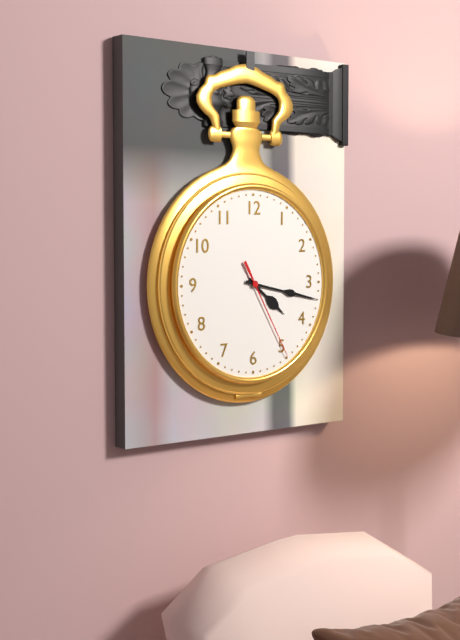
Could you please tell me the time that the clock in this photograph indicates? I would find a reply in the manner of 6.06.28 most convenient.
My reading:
4.17.25
